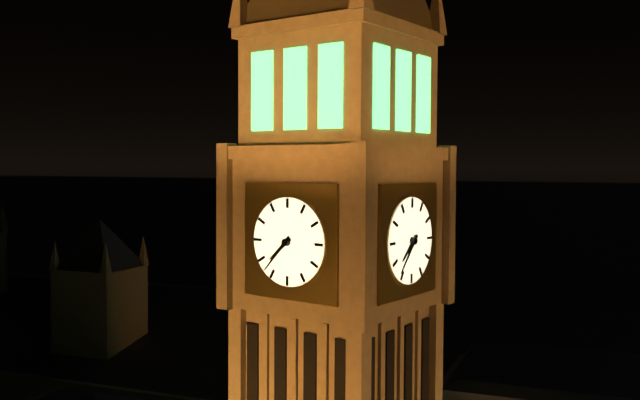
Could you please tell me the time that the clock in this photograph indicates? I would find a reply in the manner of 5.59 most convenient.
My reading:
7.37
